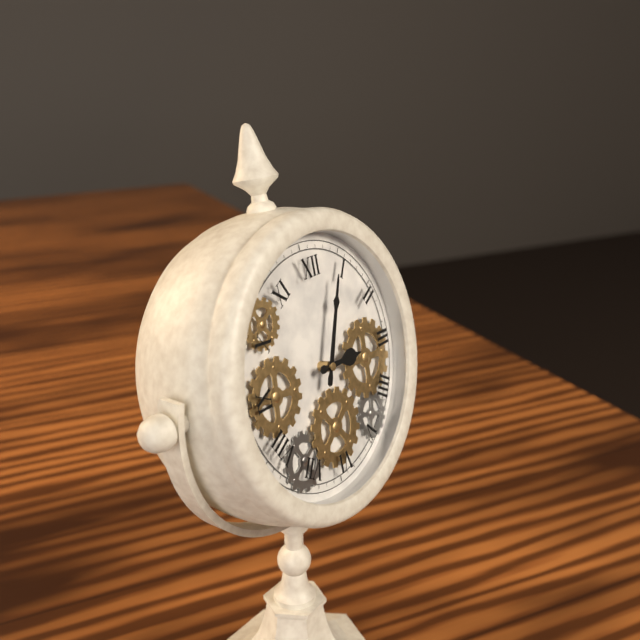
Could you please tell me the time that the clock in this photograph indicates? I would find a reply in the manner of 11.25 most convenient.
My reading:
3.04
